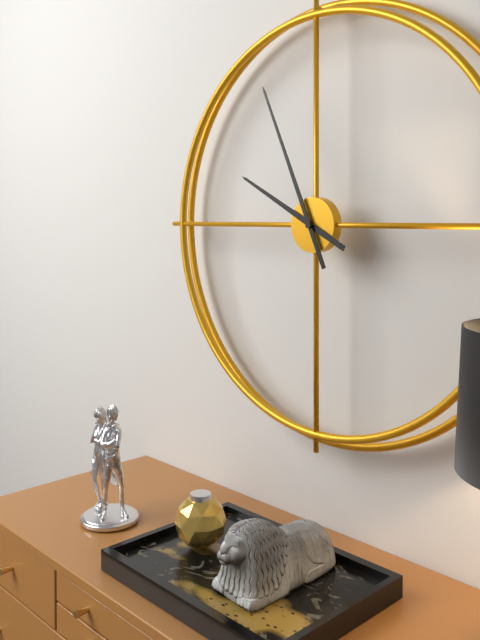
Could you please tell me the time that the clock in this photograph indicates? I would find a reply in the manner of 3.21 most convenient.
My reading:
9.56
